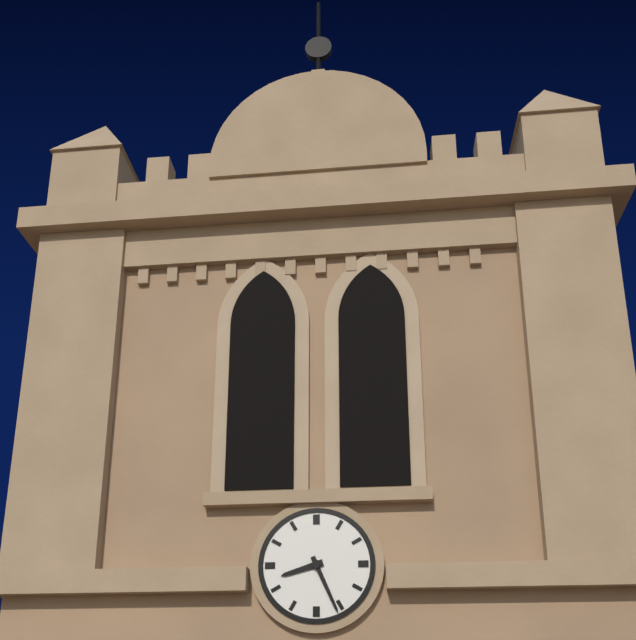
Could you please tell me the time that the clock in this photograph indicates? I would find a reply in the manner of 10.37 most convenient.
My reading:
8.26
